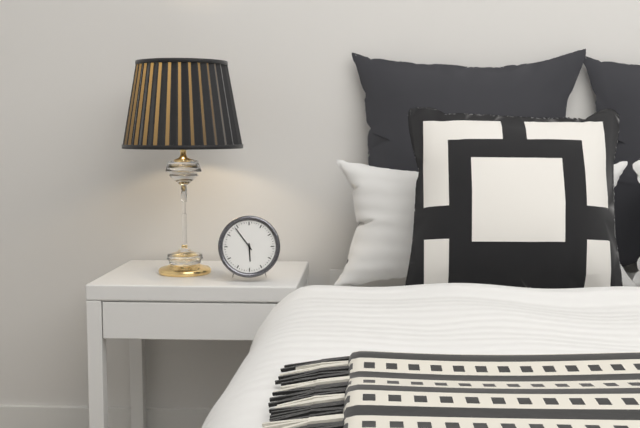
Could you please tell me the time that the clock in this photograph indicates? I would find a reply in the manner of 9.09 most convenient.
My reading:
5.54
